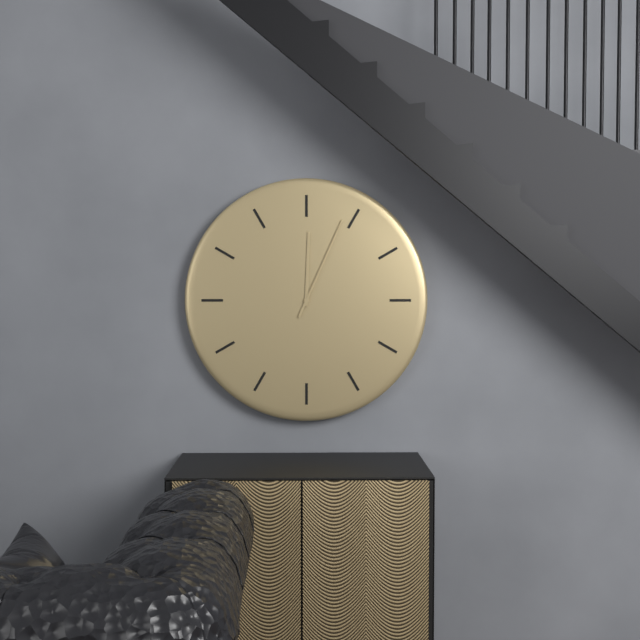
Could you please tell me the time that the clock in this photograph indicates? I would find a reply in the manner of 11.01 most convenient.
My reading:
12.04
